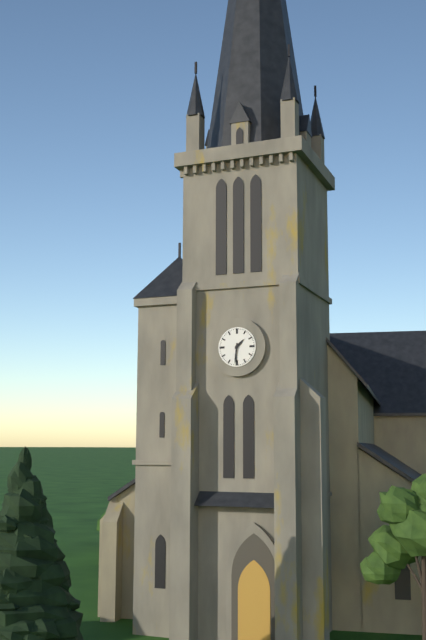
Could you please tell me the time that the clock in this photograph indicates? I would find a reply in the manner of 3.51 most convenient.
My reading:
1.31
